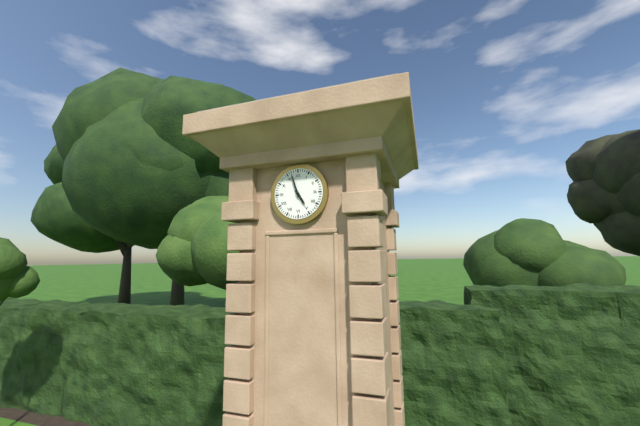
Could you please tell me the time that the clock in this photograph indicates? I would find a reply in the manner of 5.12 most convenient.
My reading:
4.57
